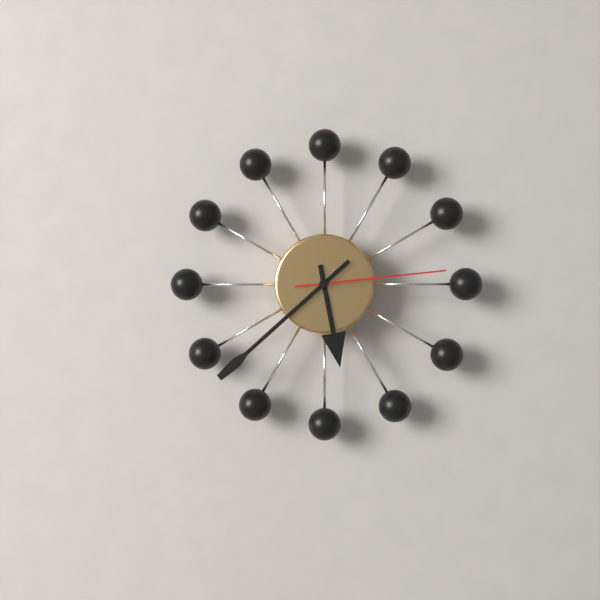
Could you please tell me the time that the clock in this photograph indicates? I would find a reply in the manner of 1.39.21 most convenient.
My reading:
5.38.14
